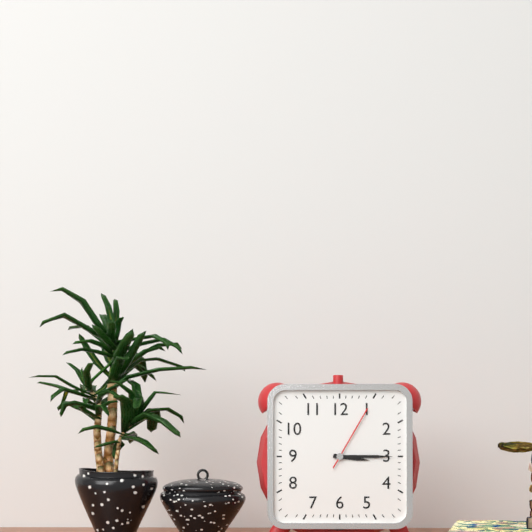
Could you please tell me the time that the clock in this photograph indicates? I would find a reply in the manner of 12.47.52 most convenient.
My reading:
3.15.05
